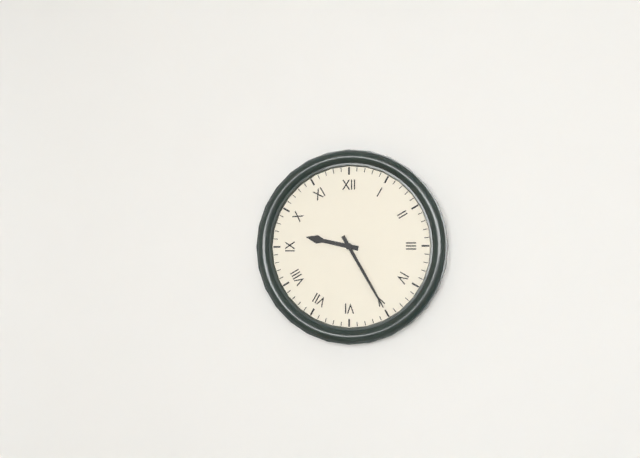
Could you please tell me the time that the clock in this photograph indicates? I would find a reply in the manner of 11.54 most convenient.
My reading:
9.25
